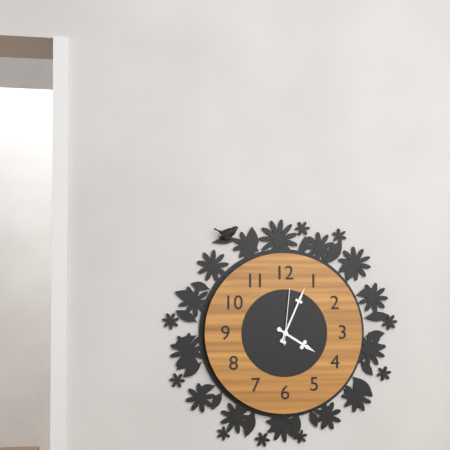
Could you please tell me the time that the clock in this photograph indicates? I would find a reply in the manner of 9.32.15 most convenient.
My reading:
4.04.01
